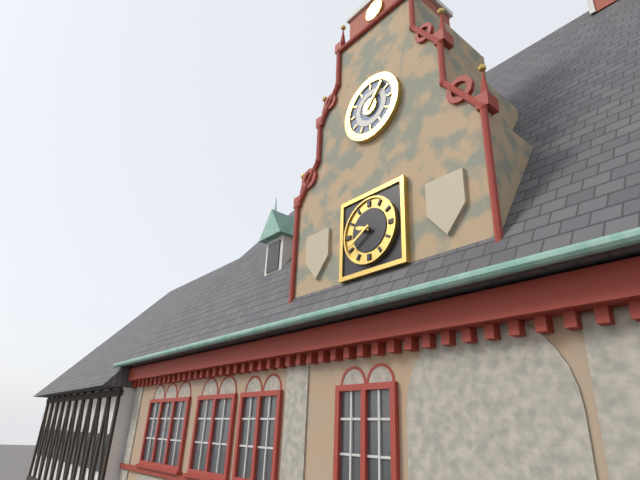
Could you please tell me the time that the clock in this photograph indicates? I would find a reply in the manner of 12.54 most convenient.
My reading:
9.40
